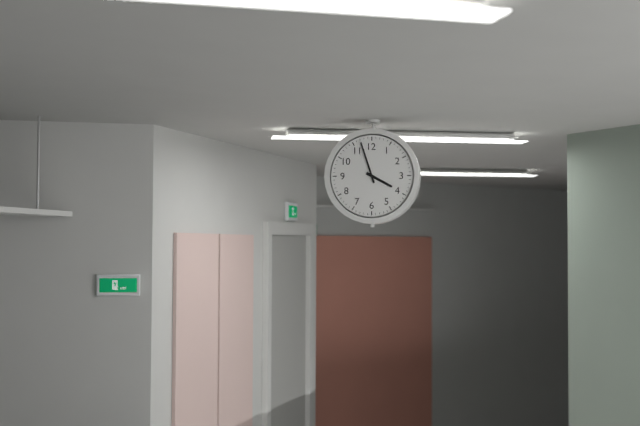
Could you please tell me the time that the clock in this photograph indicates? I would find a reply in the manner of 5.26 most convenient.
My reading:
3.57
